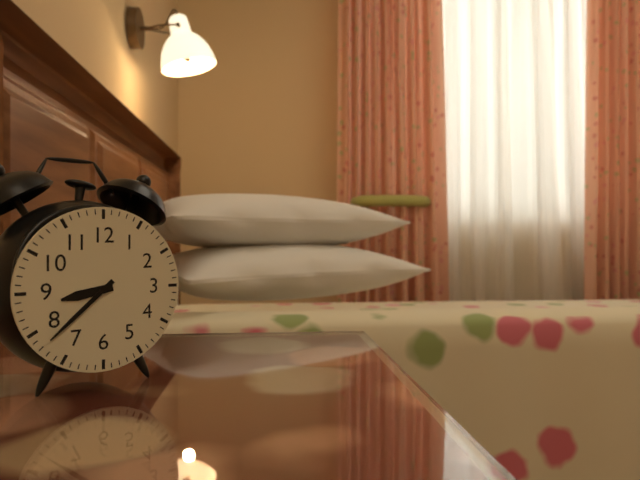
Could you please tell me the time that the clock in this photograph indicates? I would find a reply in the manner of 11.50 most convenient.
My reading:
8.38
